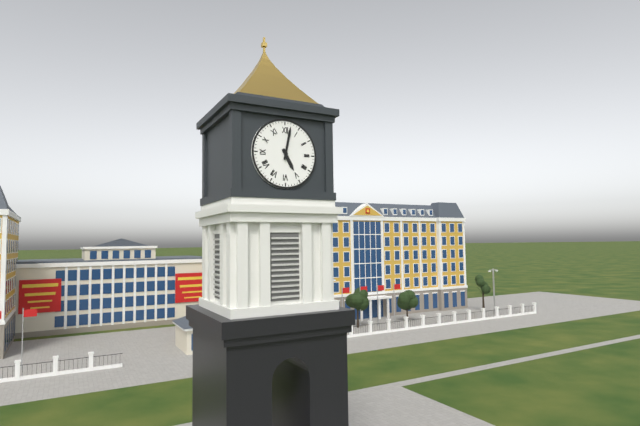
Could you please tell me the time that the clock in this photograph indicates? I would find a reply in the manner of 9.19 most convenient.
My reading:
5.02
